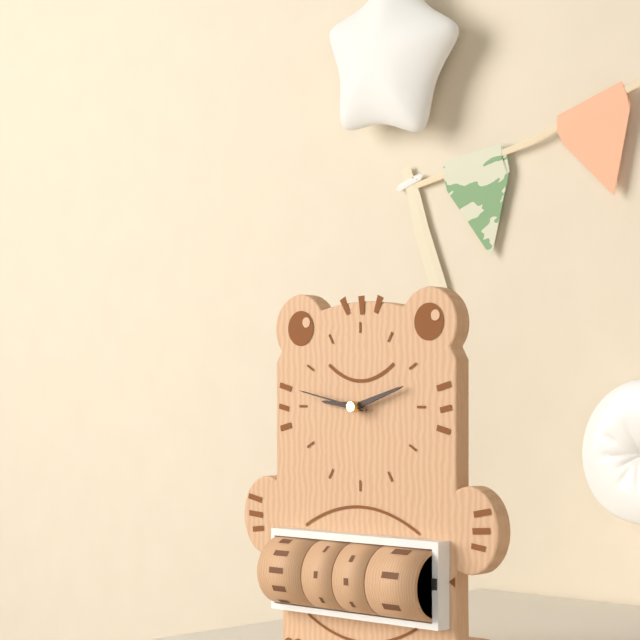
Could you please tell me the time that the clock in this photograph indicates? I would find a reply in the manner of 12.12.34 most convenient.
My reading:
9.12.47
